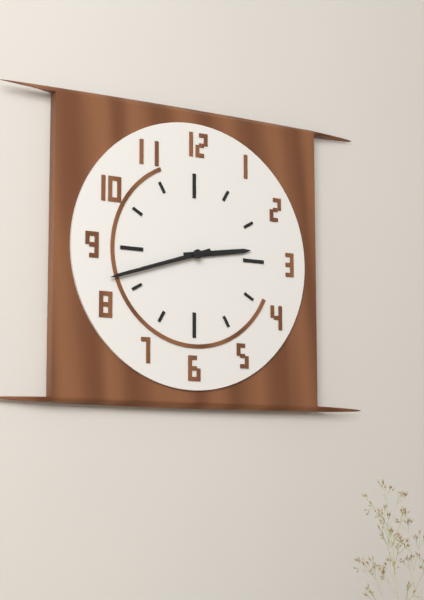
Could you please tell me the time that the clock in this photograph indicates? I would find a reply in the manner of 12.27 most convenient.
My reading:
2.42
